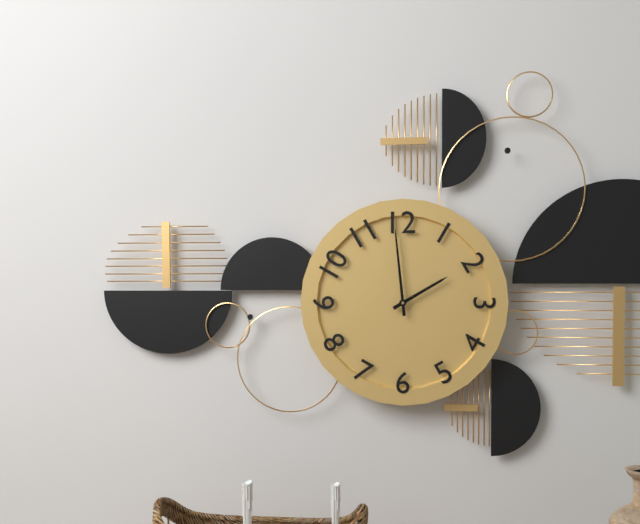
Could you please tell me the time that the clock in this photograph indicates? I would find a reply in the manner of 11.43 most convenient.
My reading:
1.59
